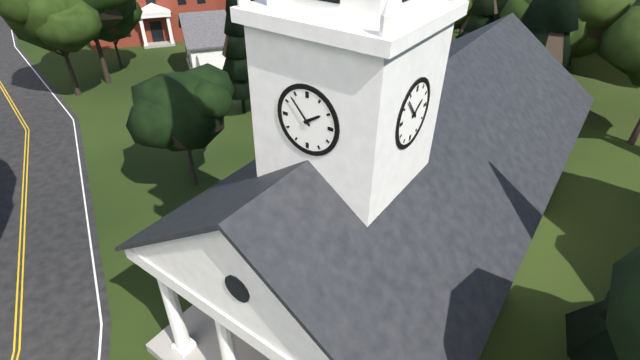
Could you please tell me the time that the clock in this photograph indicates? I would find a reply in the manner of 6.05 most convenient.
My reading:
1.53
